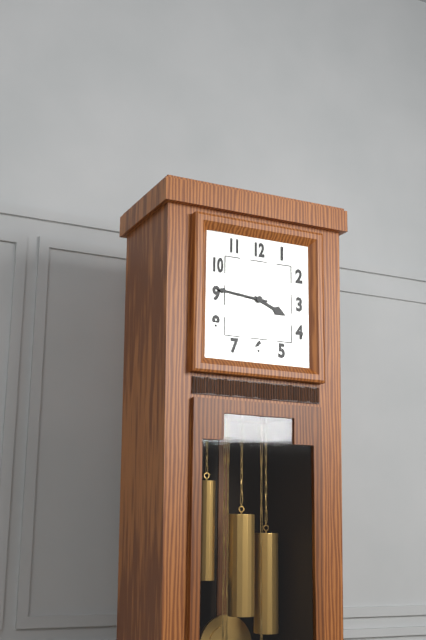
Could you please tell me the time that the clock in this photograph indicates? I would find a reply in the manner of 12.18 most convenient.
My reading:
3.46
